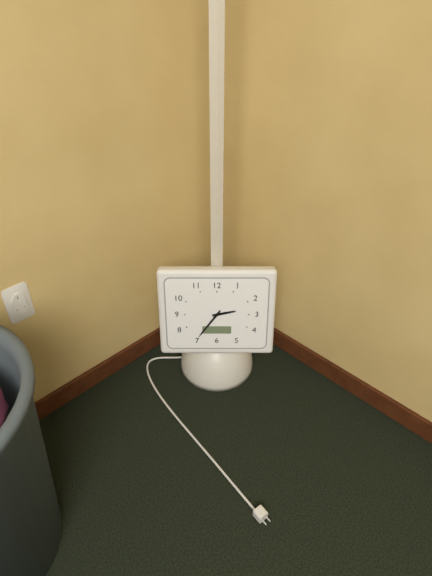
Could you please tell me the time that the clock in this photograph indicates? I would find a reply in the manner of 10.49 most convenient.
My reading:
2.36
